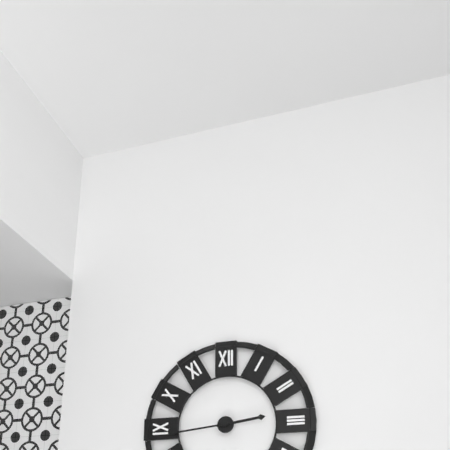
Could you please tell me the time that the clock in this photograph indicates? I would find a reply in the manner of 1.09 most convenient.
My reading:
2.44
